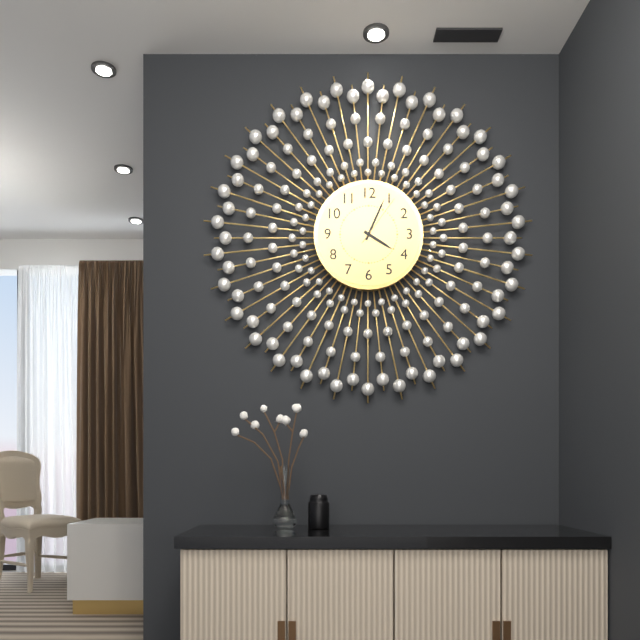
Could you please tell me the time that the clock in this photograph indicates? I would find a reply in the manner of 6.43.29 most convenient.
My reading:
4.04.06
